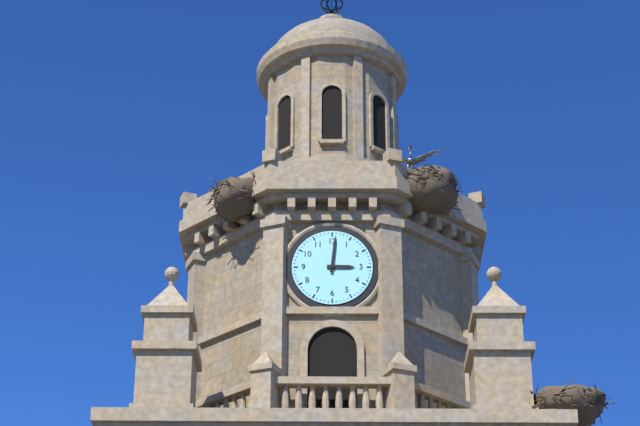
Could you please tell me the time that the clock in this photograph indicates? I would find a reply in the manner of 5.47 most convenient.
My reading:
3.01
